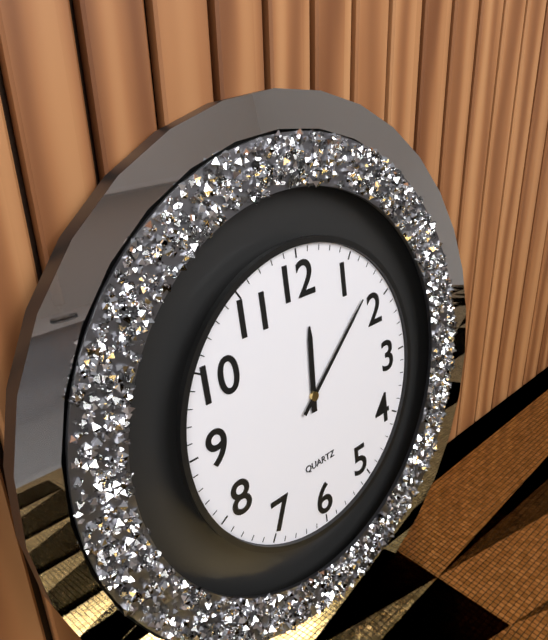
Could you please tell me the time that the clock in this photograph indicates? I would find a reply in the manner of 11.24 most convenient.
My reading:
12.08
